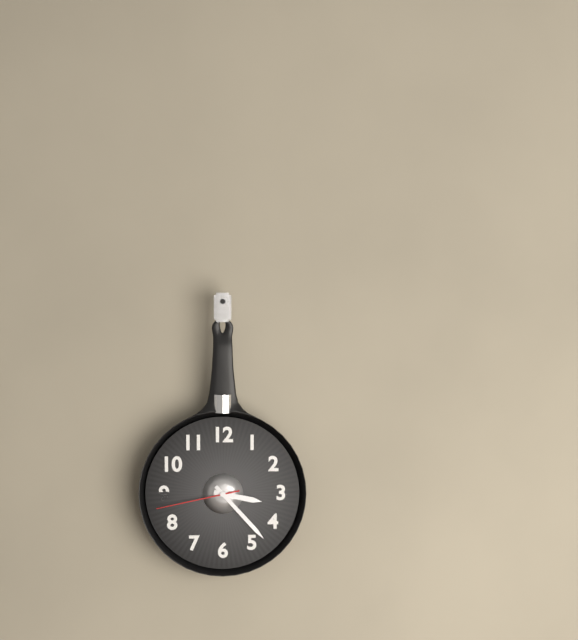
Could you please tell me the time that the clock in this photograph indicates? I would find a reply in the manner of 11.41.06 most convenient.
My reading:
3.23.43
